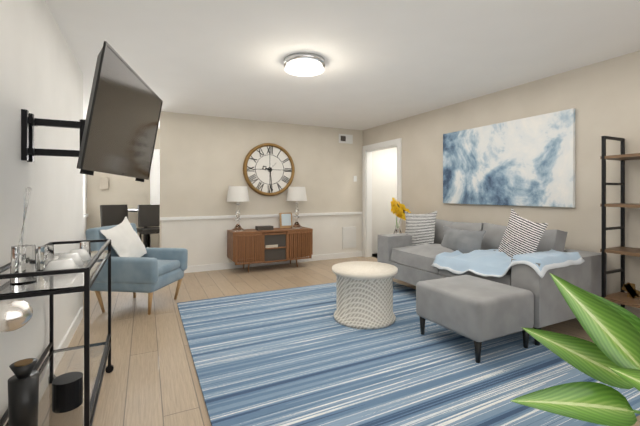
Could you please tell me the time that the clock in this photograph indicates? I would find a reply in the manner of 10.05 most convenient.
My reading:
9.29
